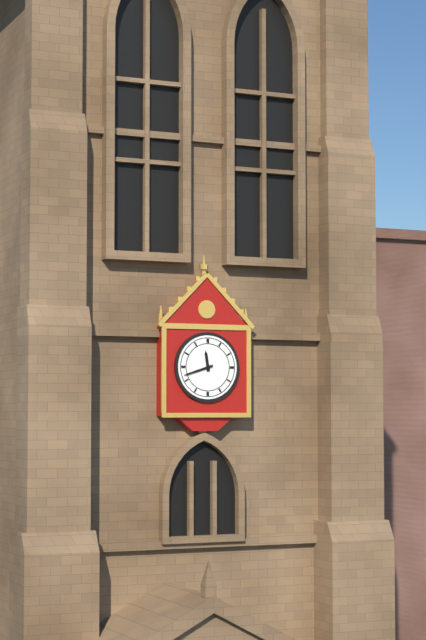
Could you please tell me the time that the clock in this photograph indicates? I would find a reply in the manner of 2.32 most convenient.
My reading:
11.42
